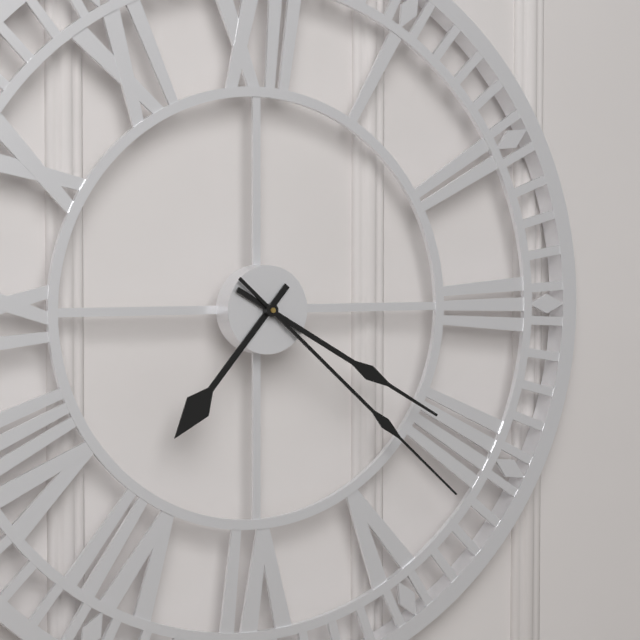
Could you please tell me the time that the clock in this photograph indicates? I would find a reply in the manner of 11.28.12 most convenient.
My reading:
7.20.22
